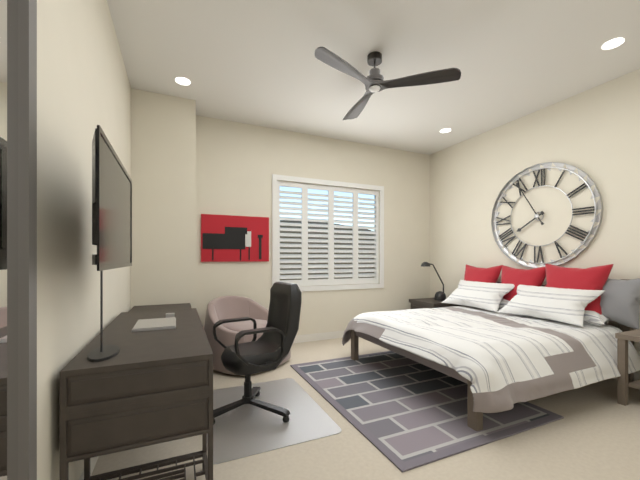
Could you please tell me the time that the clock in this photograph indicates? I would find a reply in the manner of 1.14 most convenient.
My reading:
7.55
